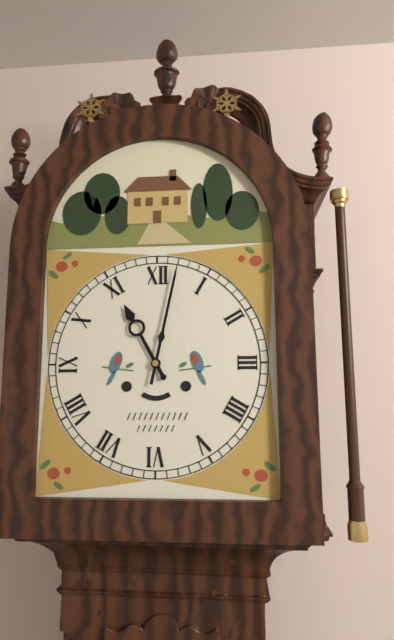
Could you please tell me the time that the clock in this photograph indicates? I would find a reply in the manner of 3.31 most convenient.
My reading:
11.02
